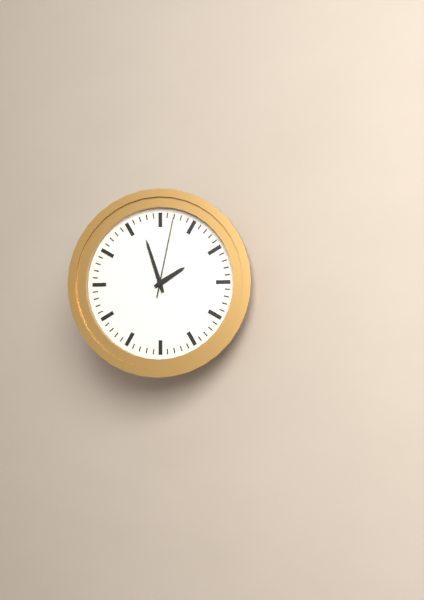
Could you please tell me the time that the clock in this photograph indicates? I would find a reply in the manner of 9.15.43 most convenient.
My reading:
1.57.02
